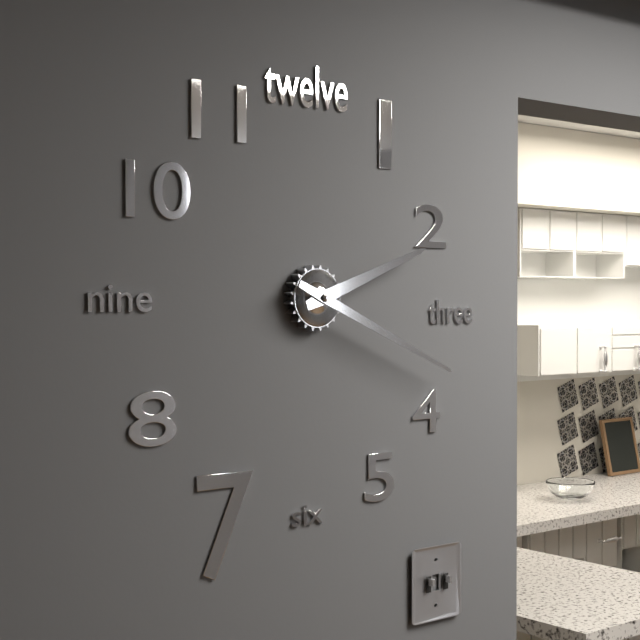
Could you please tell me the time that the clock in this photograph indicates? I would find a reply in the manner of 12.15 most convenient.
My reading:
2.19
